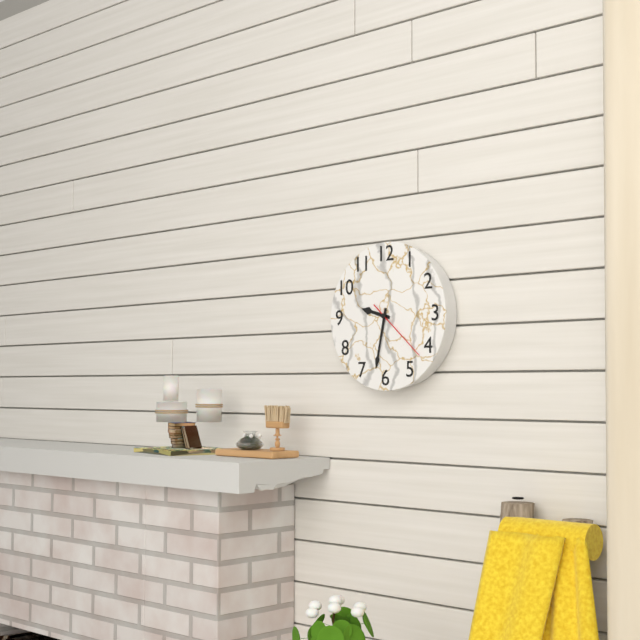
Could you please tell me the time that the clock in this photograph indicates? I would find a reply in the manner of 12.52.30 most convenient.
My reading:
9.32.22
